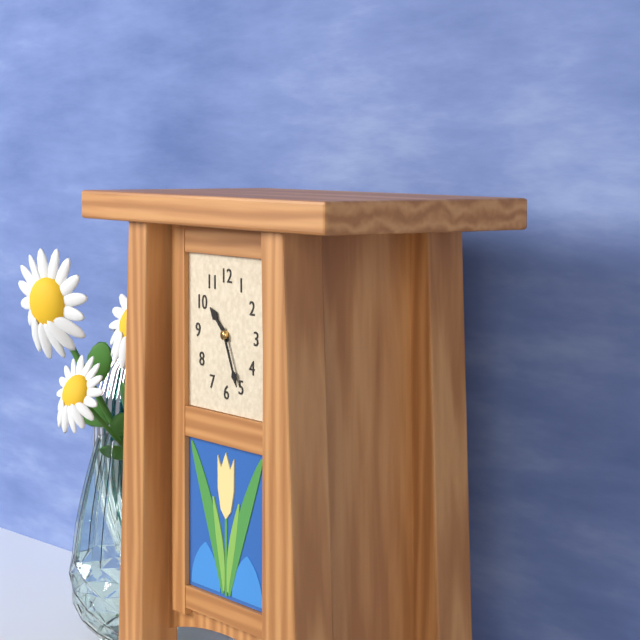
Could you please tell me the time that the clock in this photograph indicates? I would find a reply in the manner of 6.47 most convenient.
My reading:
10.26
